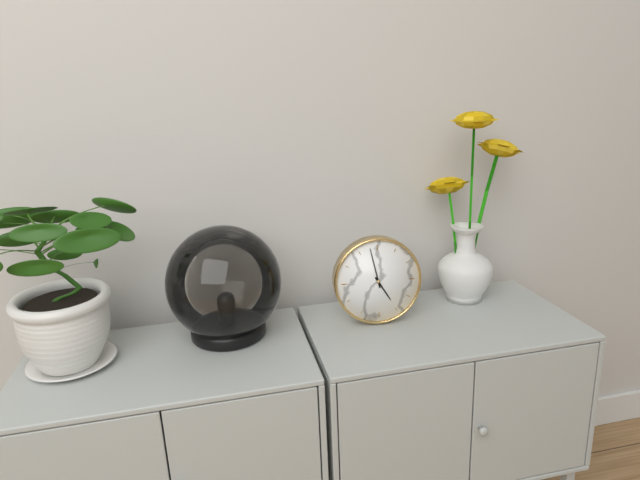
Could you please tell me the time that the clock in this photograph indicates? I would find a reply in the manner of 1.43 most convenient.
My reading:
4.58
